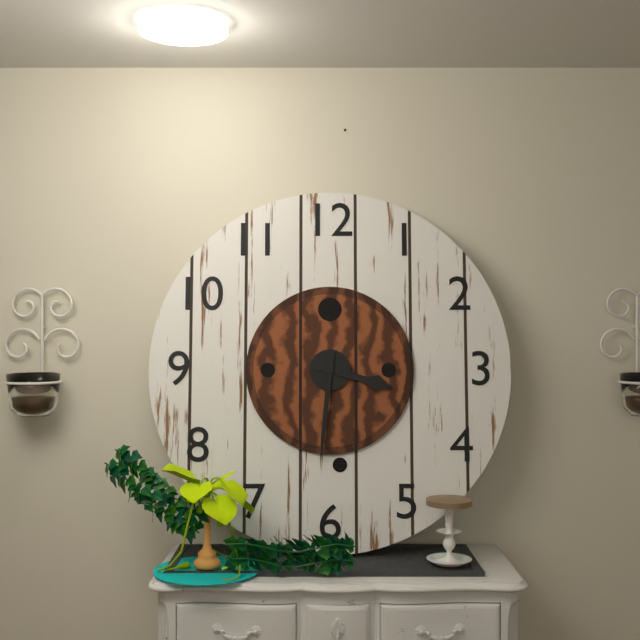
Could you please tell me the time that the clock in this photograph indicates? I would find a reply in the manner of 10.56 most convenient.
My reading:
3.31
